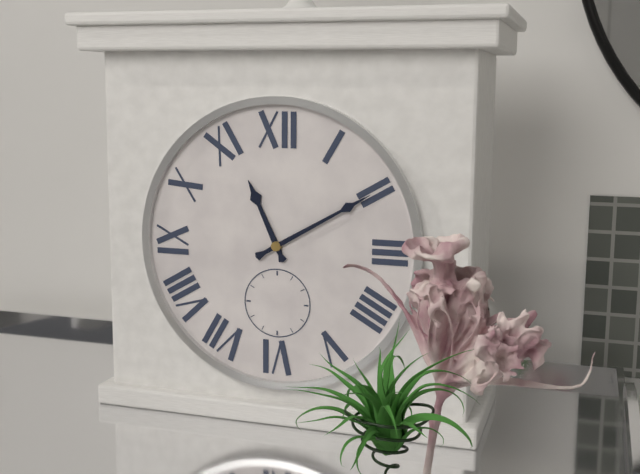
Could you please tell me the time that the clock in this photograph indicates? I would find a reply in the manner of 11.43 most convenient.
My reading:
11.10
